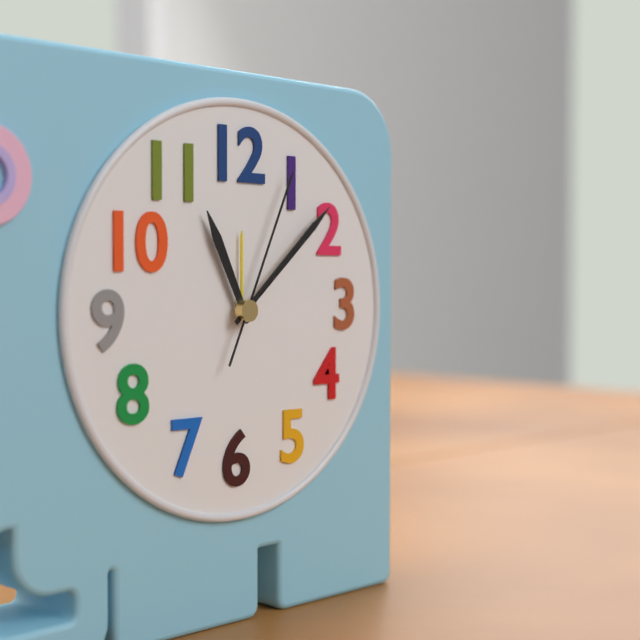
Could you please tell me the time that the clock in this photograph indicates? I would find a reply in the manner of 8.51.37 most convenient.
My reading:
11.08.04
